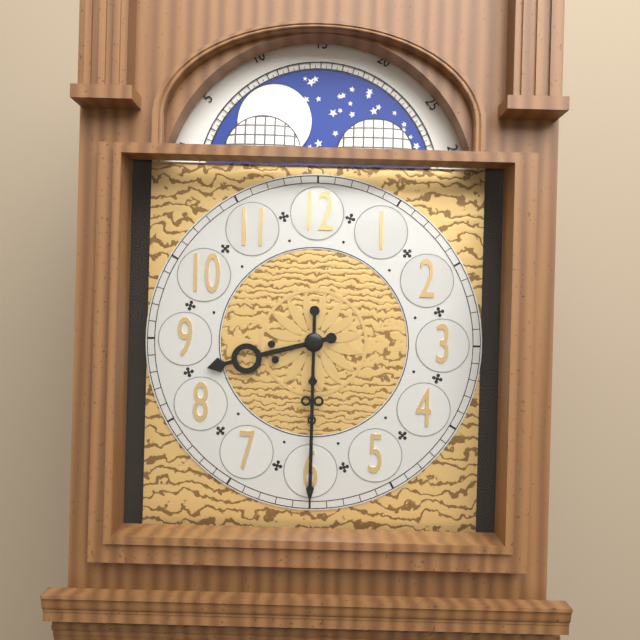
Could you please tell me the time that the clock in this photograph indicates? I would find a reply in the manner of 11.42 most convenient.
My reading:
8.30
